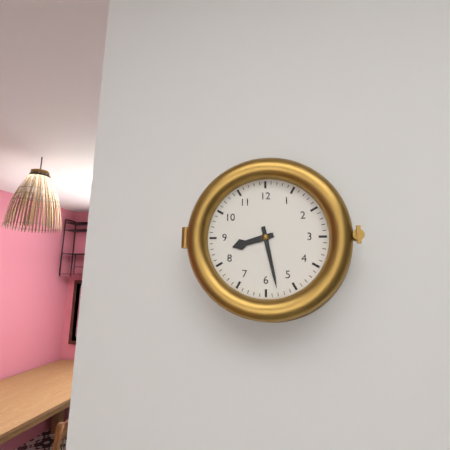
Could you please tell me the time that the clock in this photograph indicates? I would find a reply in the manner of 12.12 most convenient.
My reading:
8.28
